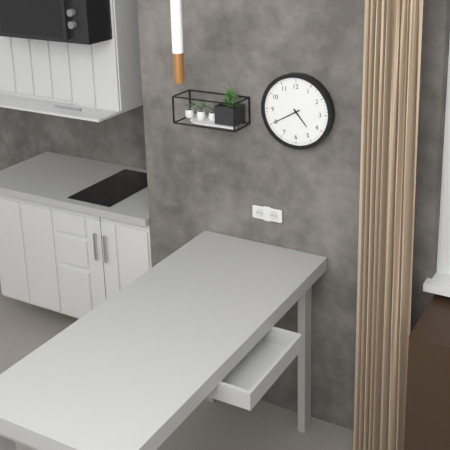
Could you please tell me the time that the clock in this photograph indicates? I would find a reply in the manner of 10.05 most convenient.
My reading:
4.40
